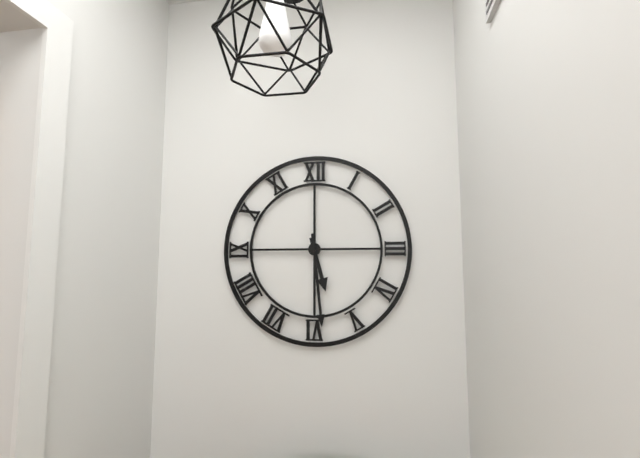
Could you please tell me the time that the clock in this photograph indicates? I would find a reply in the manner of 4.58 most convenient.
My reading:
5.29
